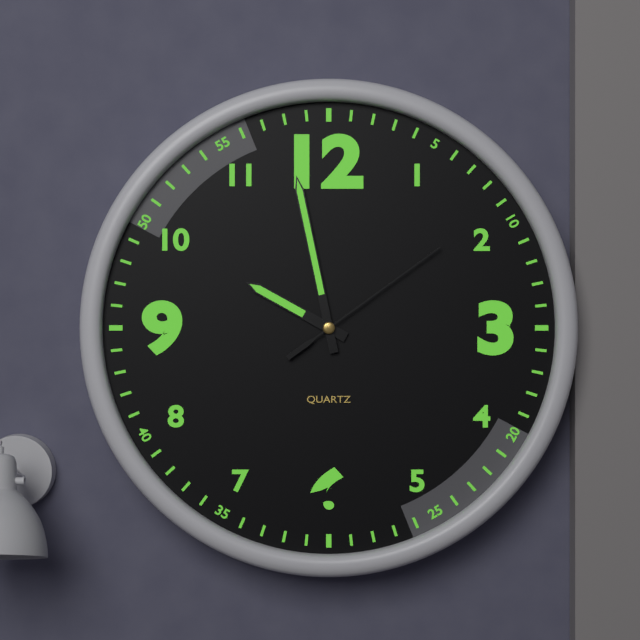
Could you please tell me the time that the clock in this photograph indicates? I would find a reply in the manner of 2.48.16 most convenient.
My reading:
9.58.09
